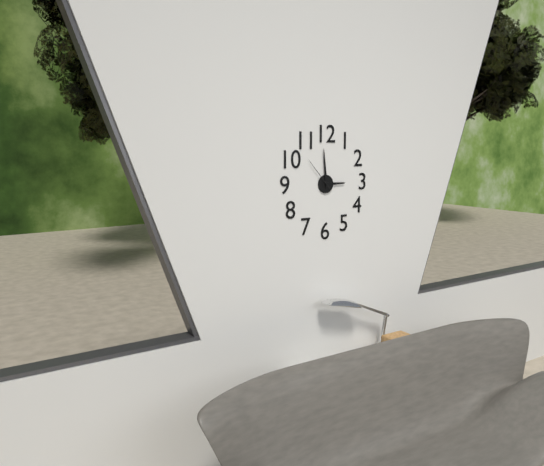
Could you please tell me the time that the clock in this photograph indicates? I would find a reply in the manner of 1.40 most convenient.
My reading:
2.59
